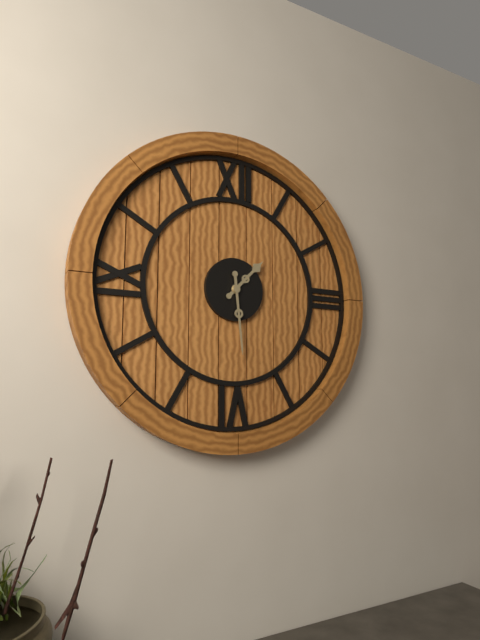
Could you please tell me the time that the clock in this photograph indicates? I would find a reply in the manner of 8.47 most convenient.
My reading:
1.29
